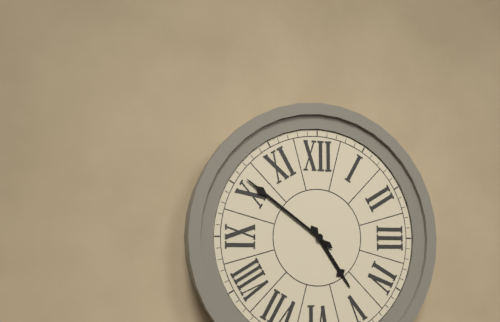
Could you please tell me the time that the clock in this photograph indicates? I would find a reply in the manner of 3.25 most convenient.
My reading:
4.51
